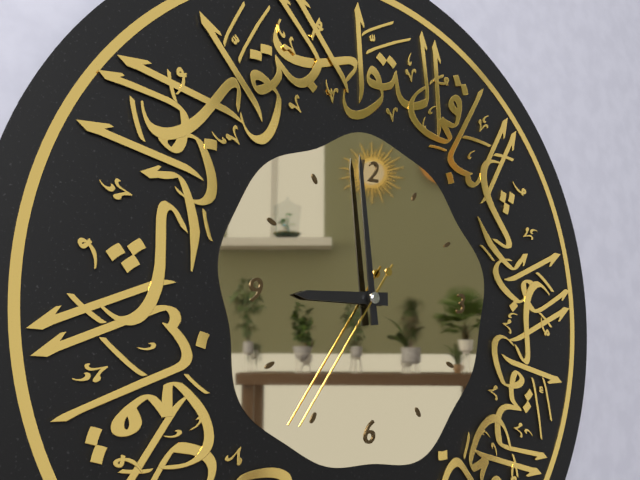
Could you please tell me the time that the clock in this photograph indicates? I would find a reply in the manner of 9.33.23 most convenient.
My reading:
8.59.36
